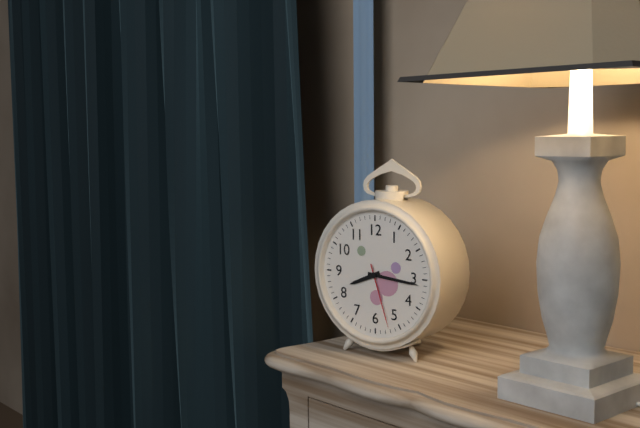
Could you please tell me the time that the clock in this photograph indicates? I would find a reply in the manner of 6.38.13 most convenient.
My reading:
8.16.27
